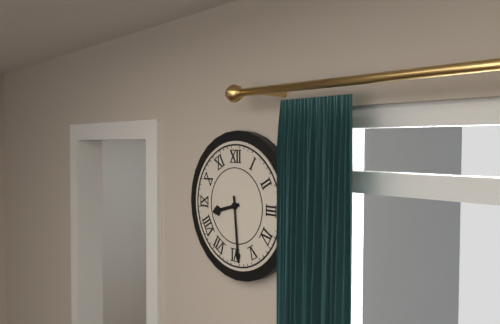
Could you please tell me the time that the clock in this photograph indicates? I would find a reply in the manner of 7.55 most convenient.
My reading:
8.29
